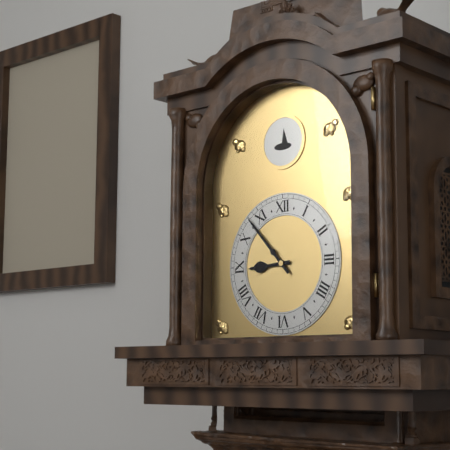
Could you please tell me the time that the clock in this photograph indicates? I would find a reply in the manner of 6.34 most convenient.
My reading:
8.53
